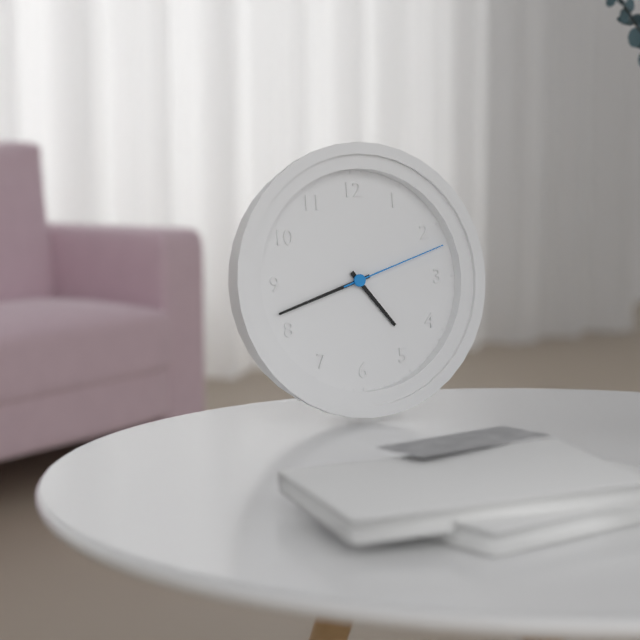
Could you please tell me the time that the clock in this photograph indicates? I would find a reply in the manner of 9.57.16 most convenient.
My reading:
4.42.12
